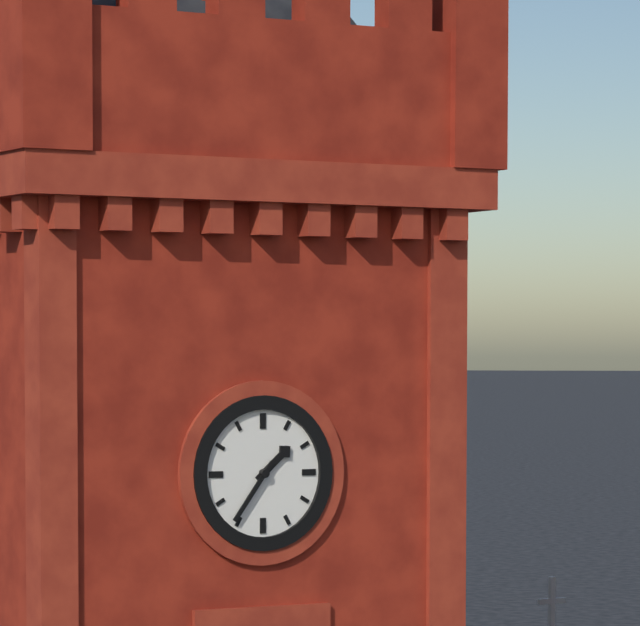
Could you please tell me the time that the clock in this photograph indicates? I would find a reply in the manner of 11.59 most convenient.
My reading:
1.36
